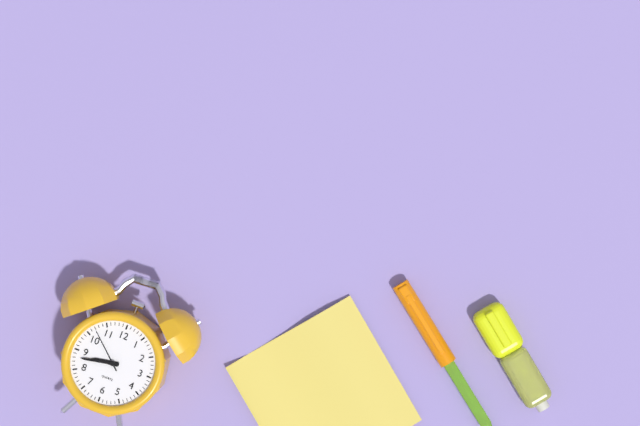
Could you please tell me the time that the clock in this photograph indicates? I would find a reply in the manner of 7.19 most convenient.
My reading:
8.43
